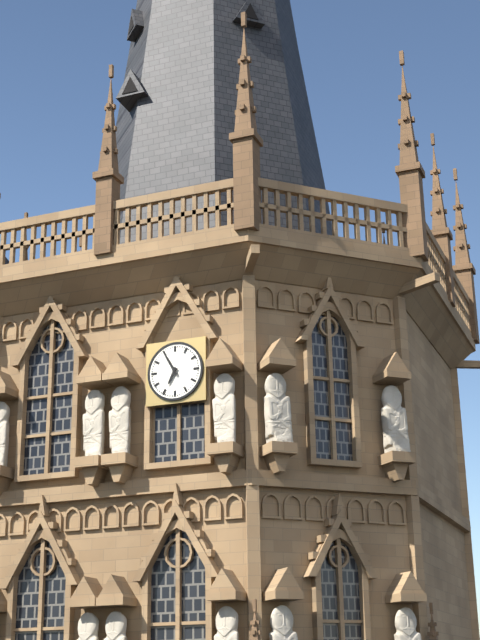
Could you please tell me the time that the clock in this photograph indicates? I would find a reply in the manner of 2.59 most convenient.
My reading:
6.55
